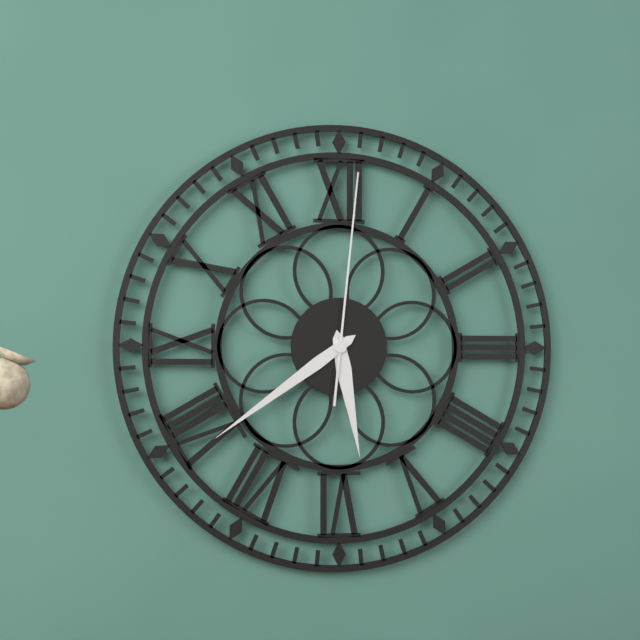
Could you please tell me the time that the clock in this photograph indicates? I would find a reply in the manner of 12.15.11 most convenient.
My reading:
5.39.01
